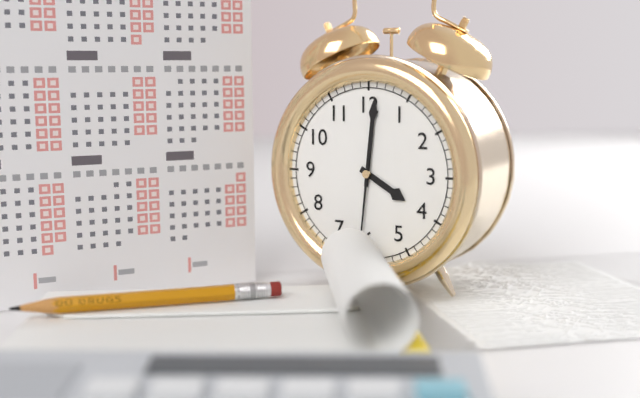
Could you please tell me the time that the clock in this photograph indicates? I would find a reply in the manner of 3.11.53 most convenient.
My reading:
4.01.31
